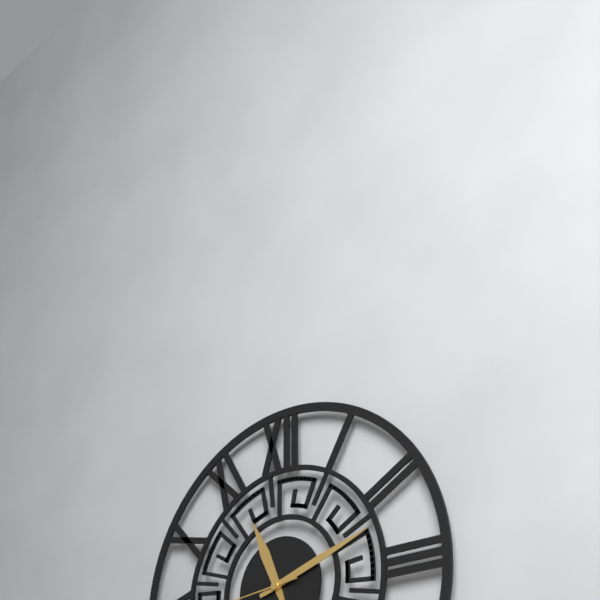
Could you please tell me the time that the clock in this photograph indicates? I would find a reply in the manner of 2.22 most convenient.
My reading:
11.12
